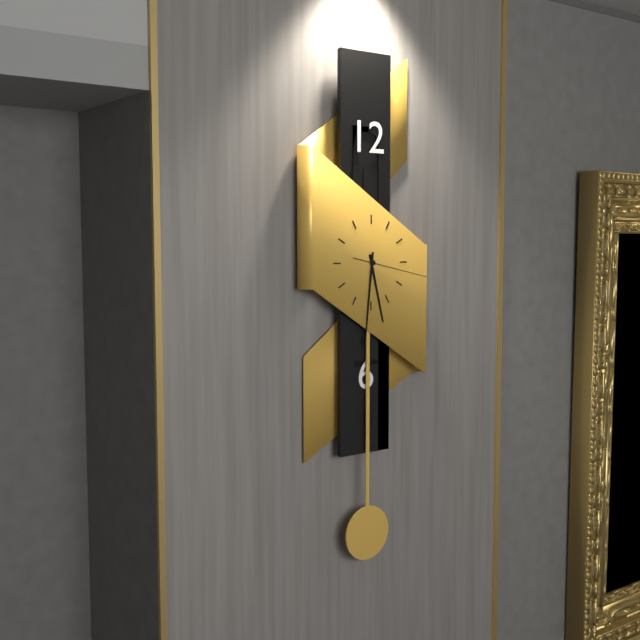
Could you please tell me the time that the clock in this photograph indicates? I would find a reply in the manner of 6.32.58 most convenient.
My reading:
5.31.17
